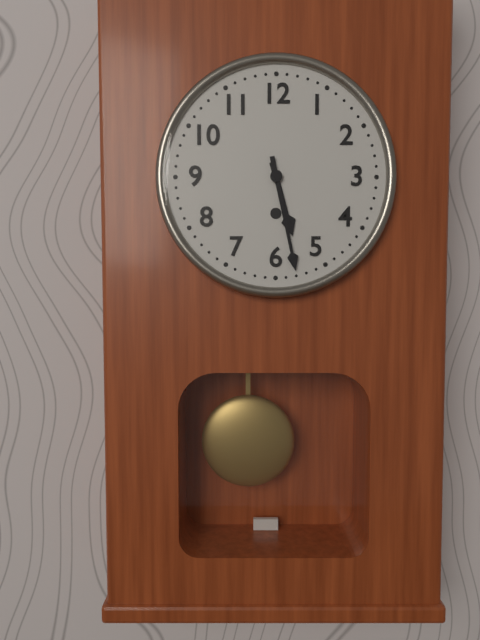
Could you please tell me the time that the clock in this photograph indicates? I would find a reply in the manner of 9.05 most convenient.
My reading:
5.28
